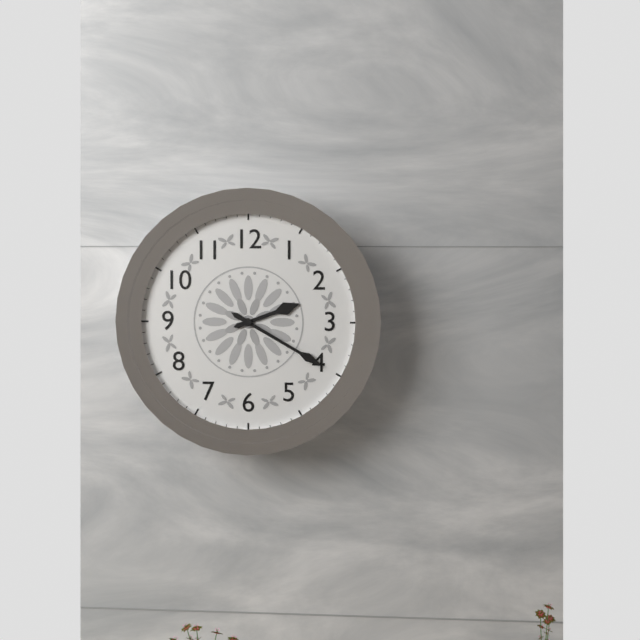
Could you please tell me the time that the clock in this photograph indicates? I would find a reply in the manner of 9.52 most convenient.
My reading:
2.20
